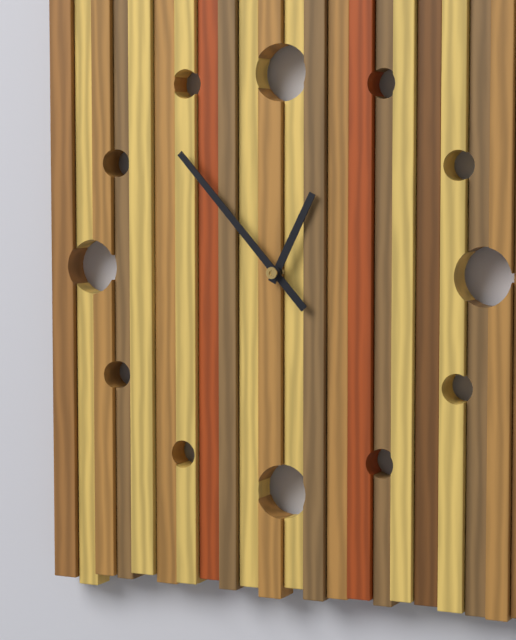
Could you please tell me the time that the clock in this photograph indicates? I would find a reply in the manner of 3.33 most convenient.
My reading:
12.53
